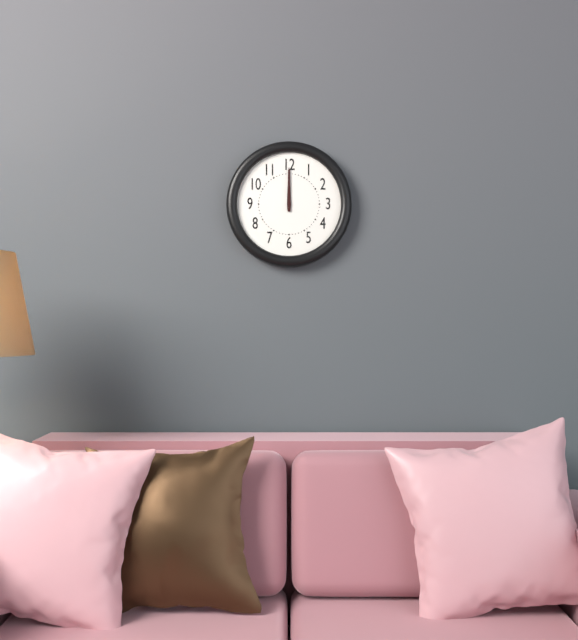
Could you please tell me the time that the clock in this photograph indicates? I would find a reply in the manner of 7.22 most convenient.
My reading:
12.00
